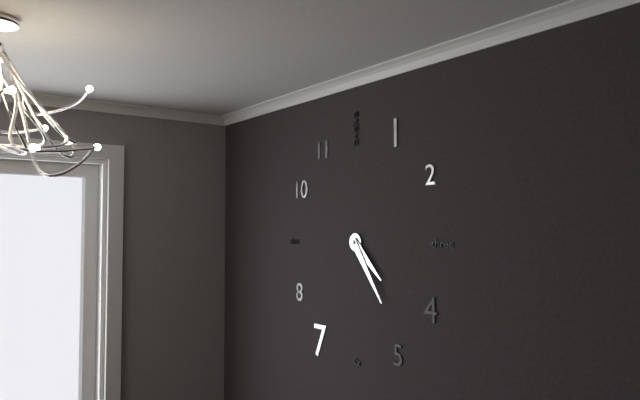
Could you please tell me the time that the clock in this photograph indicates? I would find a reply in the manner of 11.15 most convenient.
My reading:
4.24
